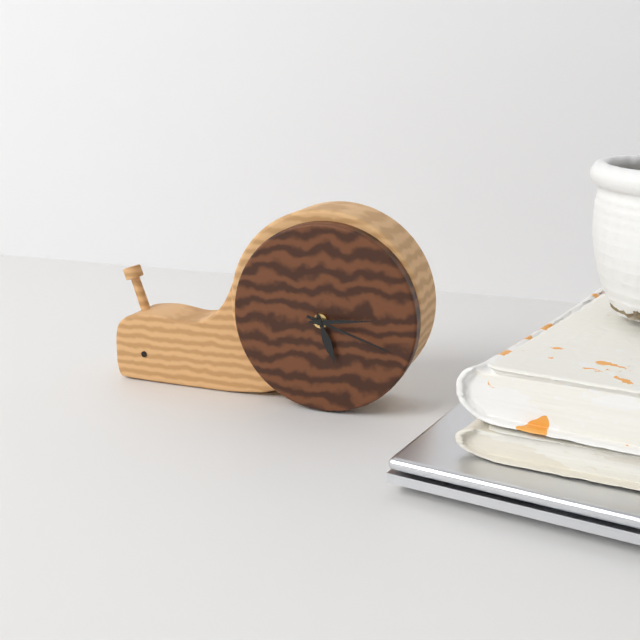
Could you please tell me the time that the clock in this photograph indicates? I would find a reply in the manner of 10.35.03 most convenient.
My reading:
5.18.14
